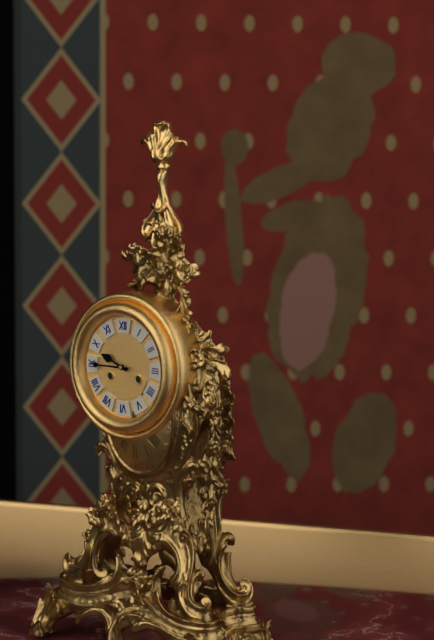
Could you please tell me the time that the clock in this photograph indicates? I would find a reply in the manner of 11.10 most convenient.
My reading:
9.45
